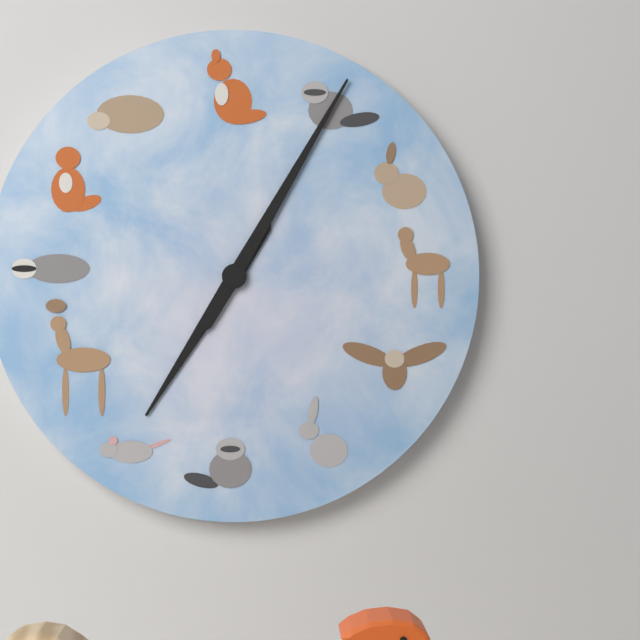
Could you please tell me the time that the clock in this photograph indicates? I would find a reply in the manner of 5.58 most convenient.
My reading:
7.05
